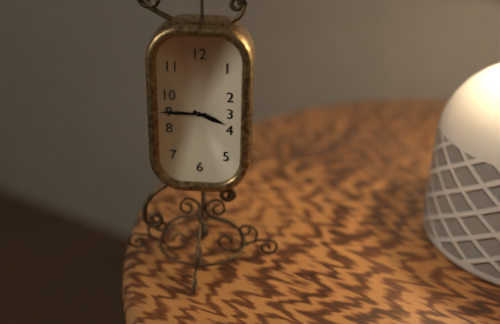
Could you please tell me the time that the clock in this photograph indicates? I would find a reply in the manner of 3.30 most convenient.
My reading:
3.45
